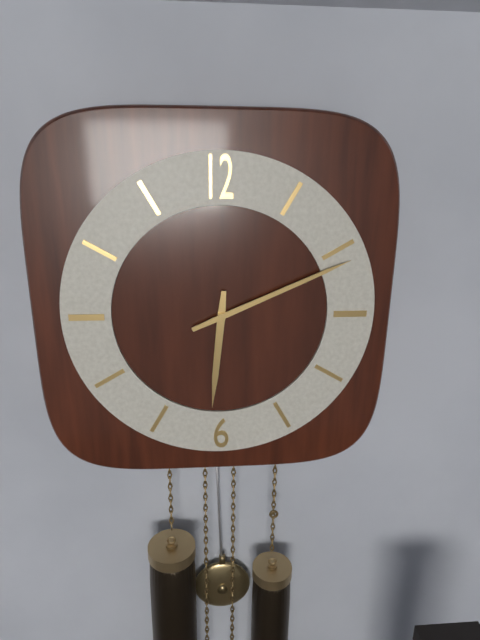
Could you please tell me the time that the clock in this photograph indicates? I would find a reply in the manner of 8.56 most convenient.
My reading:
6.11
